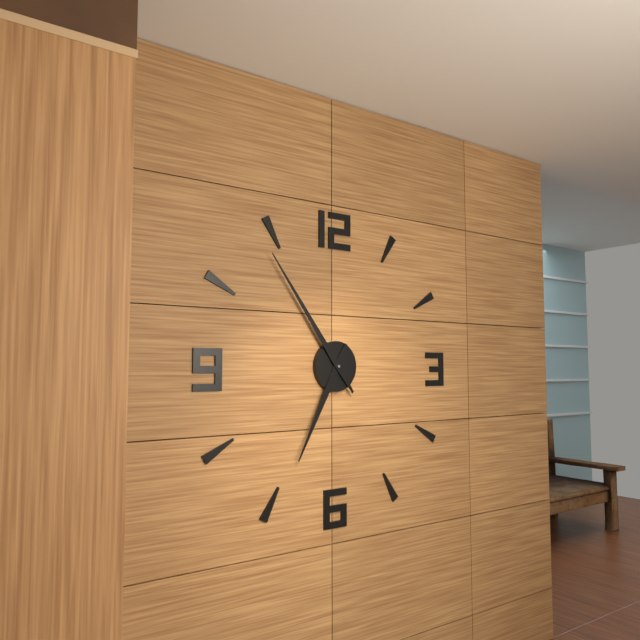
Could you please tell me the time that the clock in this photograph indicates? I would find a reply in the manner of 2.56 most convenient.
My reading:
6.54
